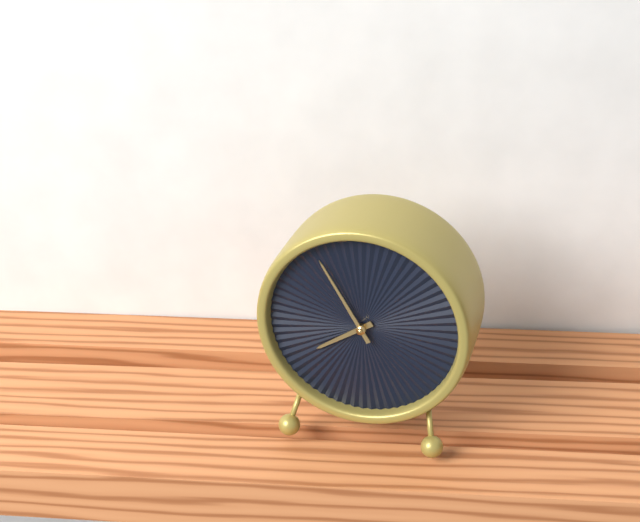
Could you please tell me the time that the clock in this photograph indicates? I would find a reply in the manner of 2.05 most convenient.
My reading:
7.55
